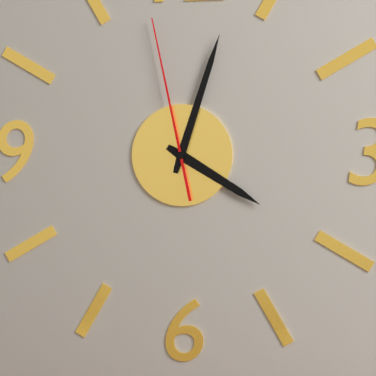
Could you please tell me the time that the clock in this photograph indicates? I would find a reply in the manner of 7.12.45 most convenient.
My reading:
4.03.58
